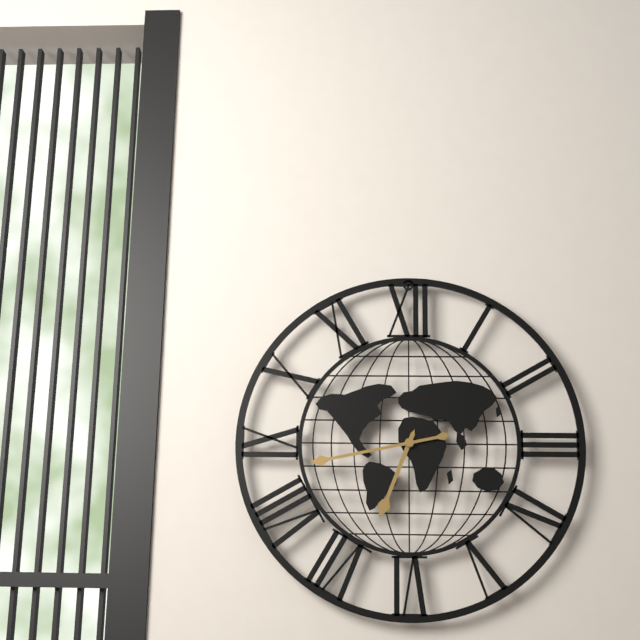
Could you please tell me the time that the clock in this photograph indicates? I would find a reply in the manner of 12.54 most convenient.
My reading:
6.43
